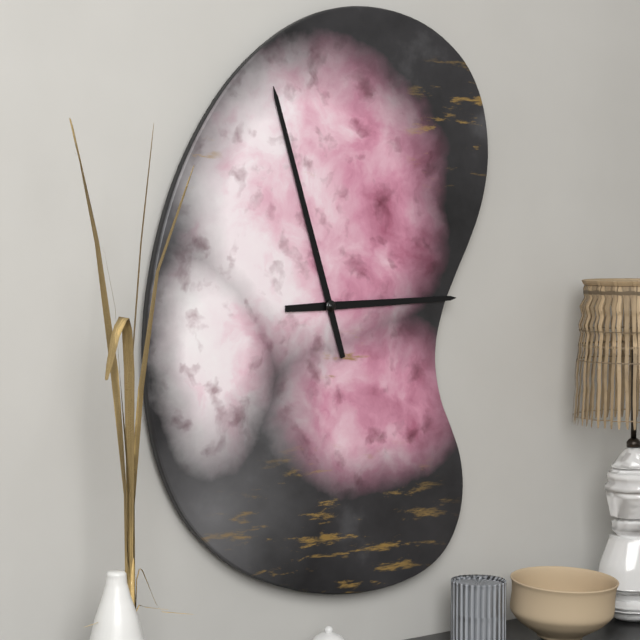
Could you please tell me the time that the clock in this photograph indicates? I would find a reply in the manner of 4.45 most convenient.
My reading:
2.57
